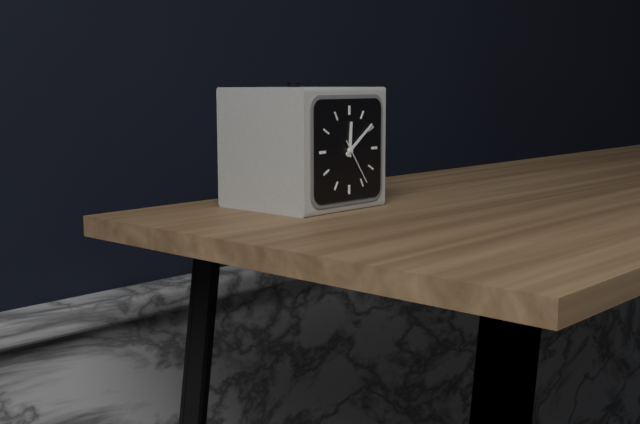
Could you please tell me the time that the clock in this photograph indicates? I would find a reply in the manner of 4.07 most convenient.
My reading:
12.09
